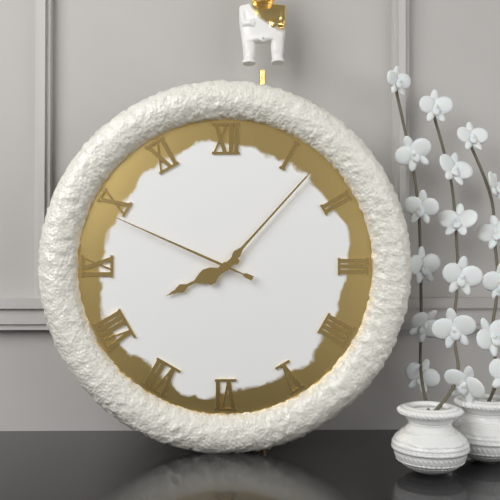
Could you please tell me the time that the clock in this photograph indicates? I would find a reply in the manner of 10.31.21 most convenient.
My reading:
8.07.49
